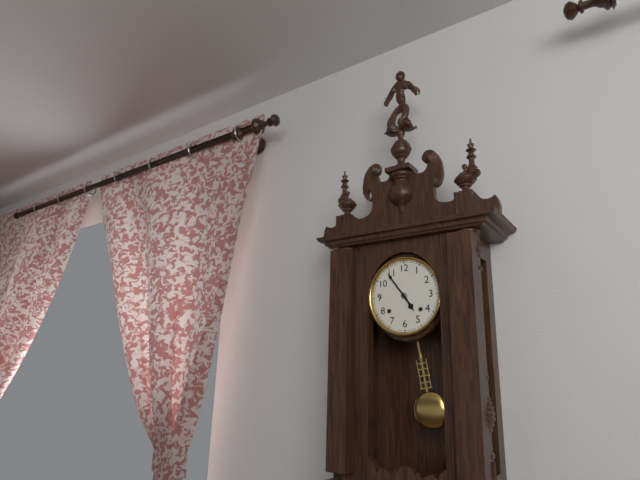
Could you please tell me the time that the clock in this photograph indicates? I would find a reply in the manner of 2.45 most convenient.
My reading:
4.54
